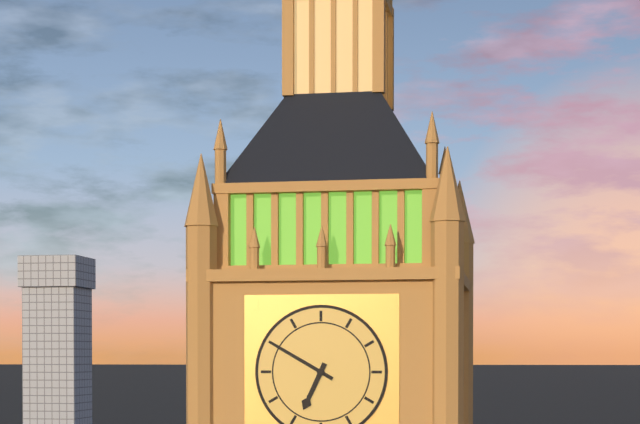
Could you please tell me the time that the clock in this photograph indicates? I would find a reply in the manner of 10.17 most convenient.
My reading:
6.50
